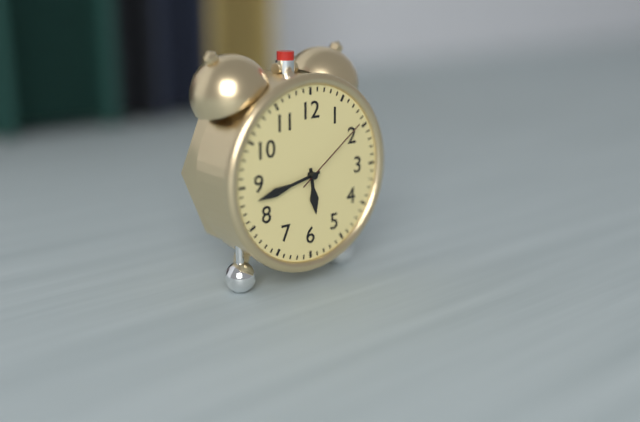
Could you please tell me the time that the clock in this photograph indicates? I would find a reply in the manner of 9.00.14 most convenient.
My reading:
5.43.09
